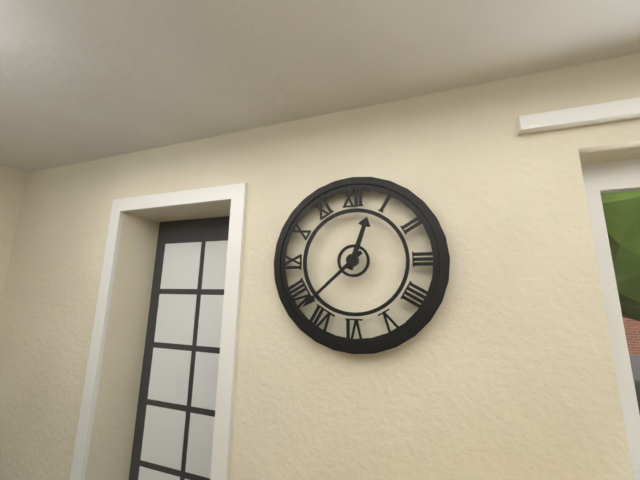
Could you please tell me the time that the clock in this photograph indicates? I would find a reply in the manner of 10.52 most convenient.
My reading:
12.38
